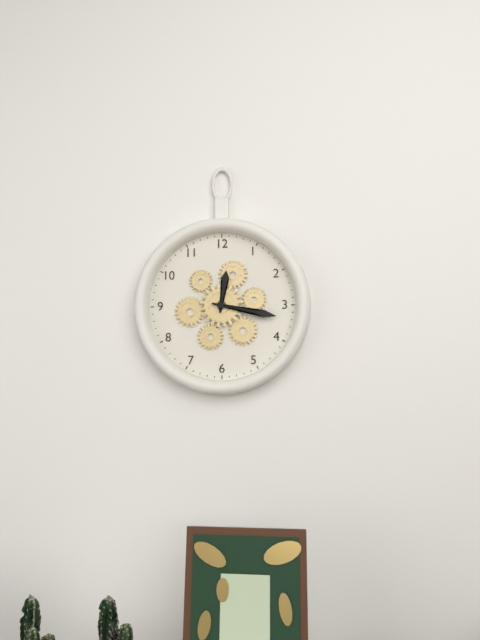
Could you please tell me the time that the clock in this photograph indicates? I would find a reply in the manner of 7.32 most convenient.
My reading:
12.17
